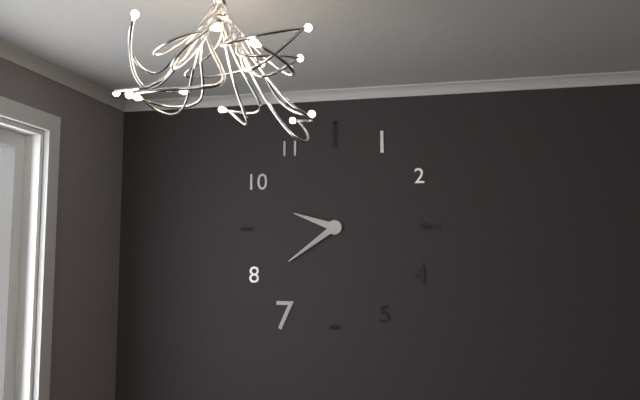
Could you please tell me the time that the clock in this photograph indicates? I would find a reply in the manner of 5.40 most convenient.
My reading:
9.39
